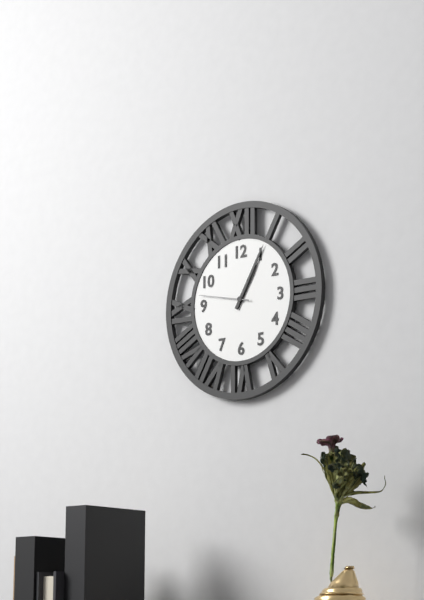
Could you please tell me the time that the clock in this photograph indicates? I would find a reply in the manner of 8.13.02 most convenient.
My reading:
1.05.47
